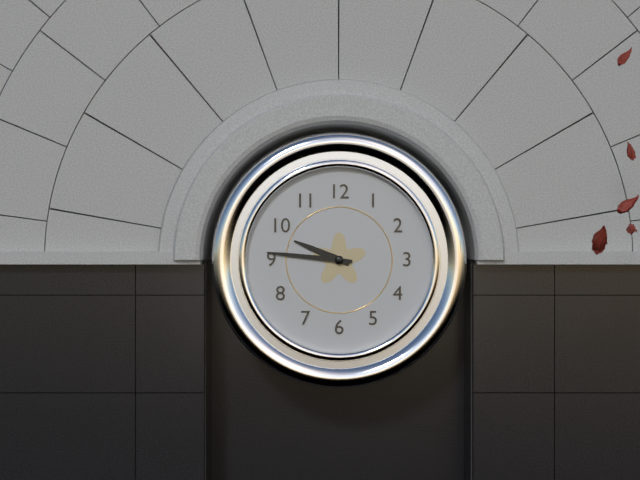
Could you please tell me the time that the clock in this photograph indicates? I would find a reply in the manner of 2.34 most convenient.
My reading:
9.46
